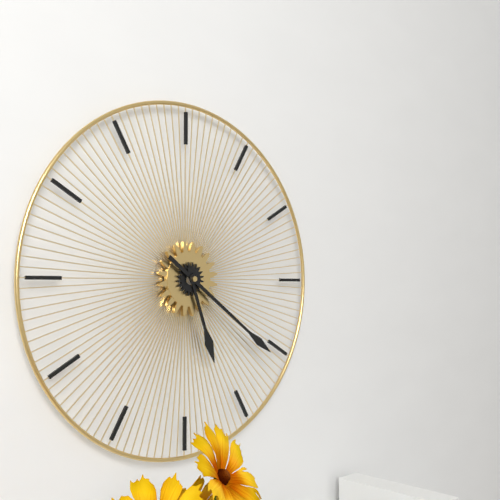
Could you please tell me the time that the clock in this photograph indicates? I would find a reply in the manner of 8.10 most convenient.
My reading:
5.21
